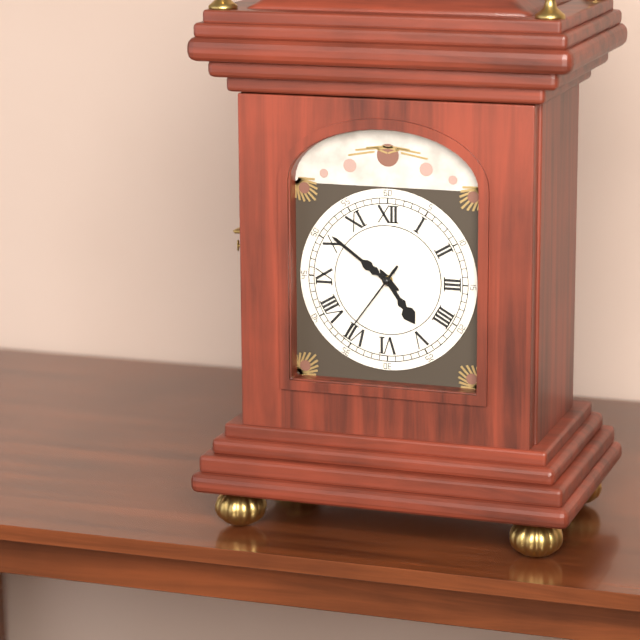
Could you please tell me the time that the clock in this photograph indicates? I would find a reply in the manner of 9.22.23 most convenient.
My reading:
4.51.36
